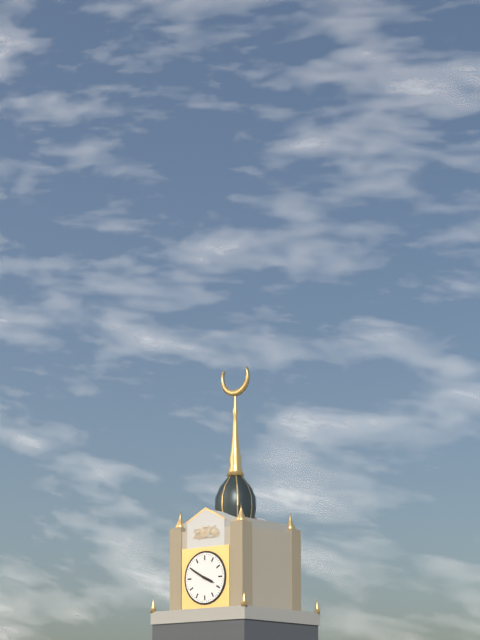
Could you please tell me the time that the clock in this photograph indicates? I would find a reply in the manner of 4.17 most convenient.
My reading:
3.50
